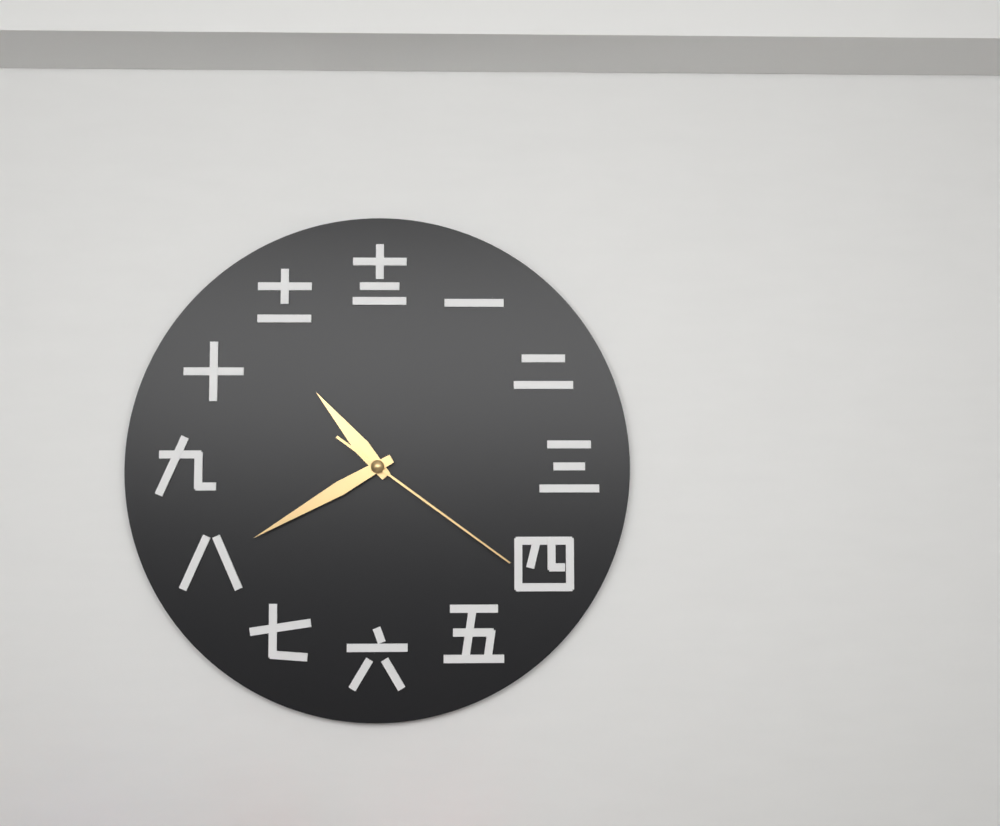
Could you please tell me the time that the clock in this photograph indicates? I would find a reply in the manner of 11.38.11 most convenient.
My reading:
10.40.21
